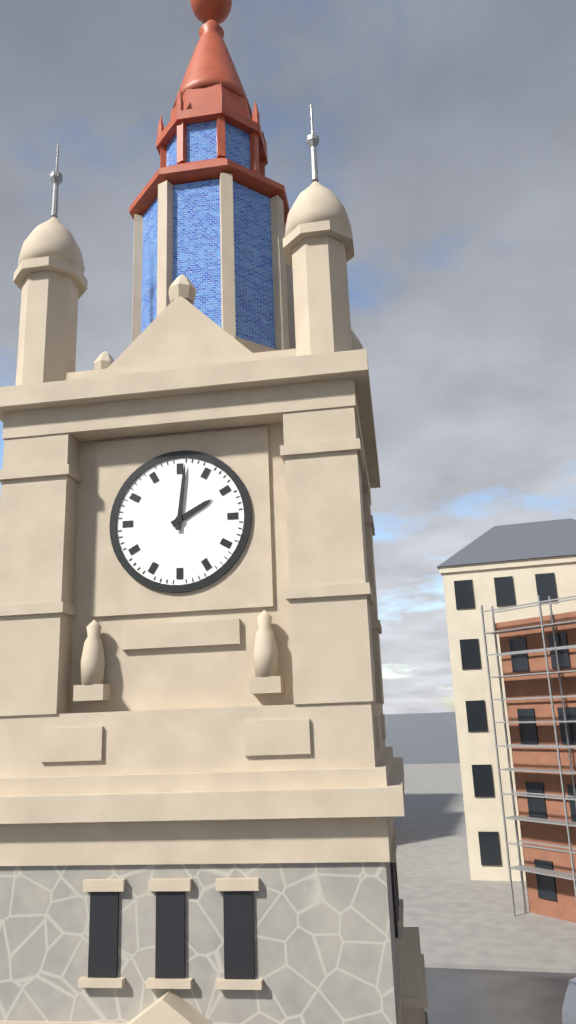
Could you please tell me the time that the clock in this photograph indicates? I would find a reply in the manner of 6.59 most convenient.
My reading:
2.01
